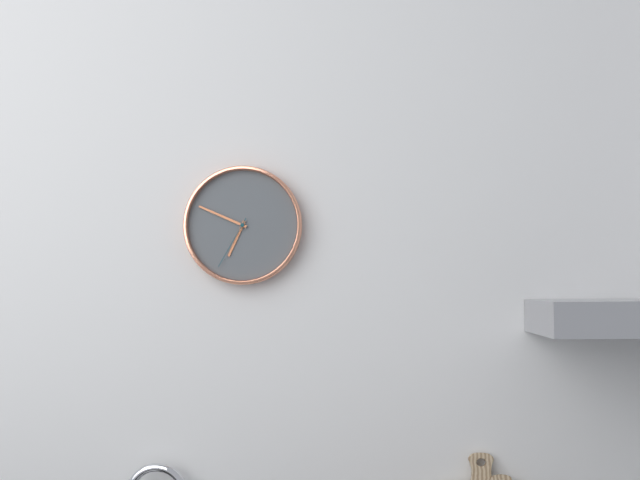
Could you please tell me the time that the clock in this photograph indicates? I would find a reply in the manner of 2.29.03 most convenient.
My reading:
6.49.35
